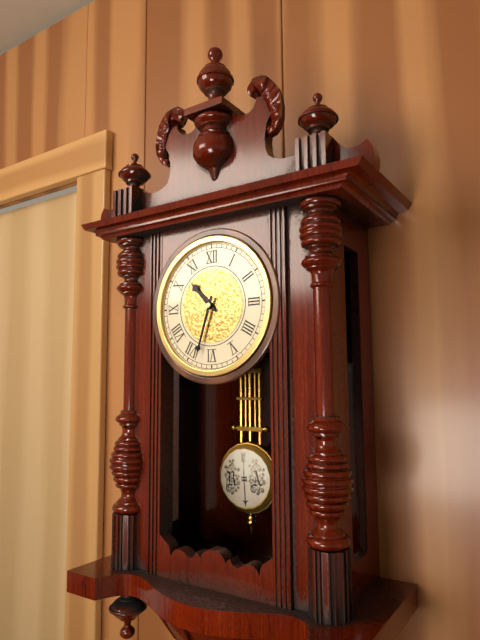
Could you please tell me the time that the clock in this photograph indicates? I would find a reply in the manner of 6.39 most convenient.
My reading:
10.33
